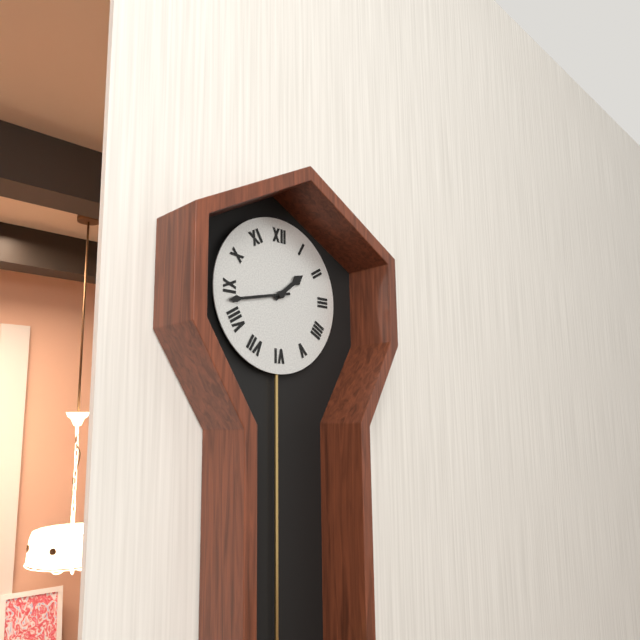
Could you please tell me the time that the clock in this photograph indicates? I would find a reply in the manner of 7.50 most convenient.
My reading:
1.43
